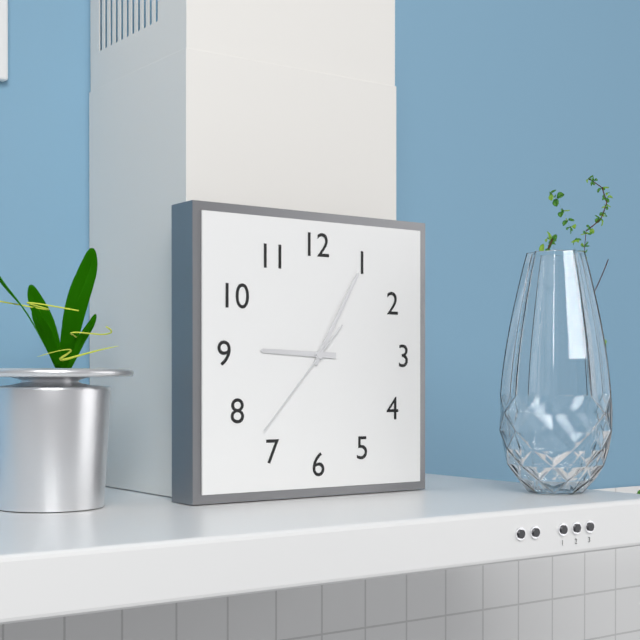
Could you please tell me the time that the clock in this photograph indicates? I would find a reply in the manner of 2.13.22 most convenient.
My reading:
9.05.37
